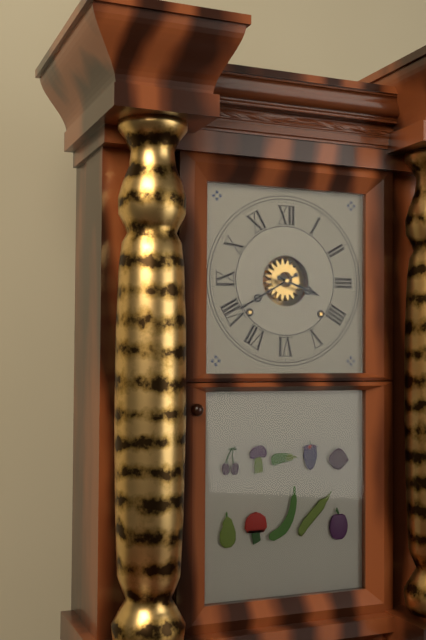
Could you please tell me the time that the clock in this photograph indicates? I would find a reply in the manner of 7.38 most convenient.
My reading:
3.40
